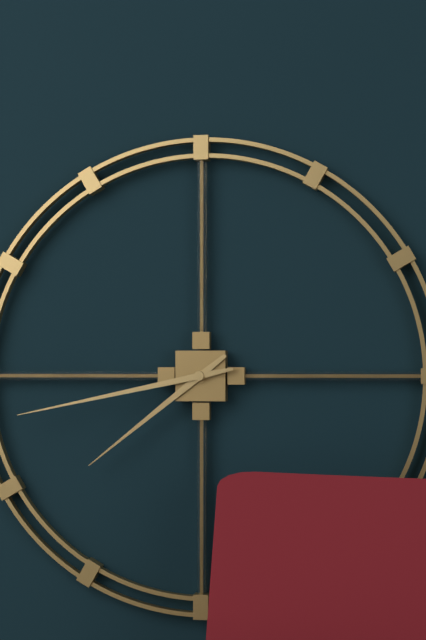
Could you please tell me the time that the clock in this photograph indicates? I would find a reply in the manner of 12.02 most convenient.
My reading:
7.43
